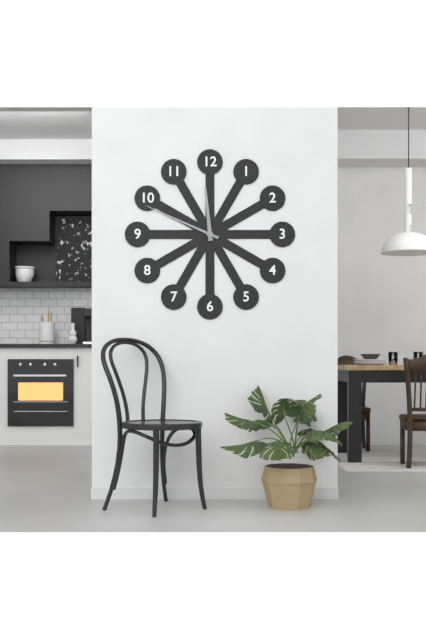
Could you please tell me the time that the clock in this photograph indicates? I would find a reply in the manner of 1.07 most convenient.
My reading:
11.49
